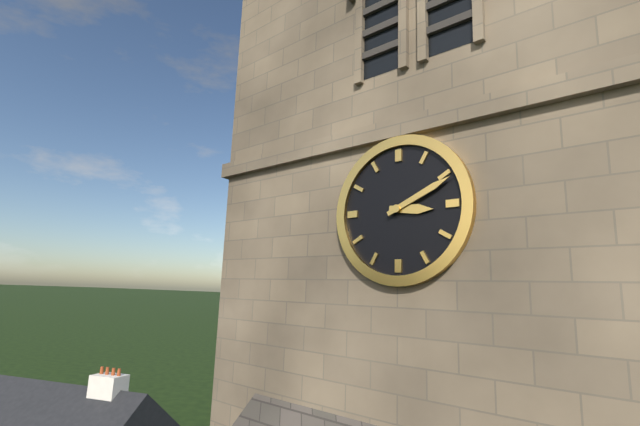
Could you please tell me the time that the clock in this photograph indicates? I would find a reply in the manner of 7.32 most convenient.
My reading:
3.11
